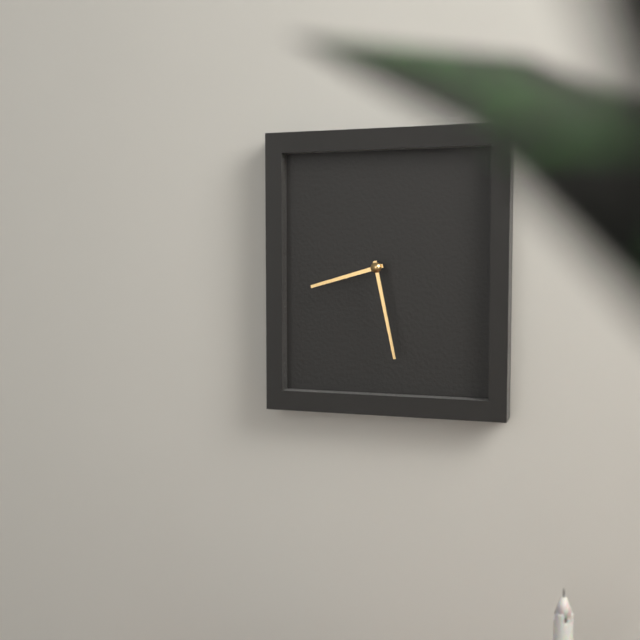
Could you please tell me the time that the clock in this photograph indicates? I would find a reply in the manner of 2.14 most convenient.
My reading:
8.28
